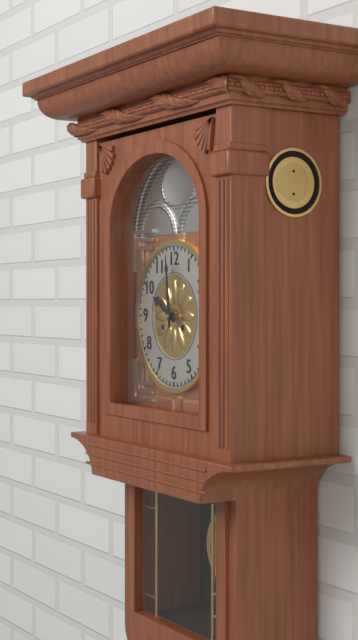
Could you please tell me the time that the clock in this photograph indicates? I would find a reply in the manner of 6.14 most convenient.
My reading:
9.59
